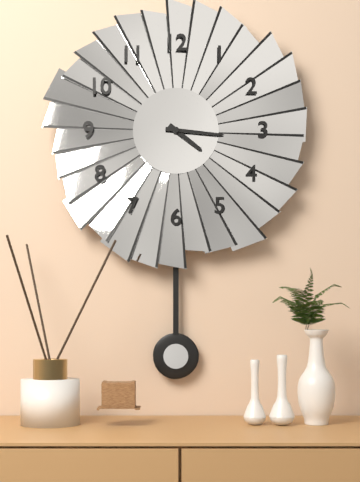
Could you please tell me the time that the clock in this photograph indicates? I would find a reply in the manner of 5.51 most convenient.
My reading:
4.16
